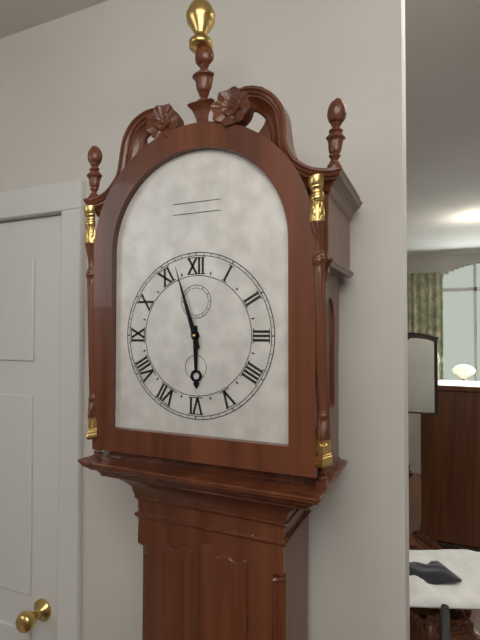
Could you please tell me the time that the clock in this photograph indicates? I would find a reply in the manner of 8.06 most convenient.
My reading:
5.57
